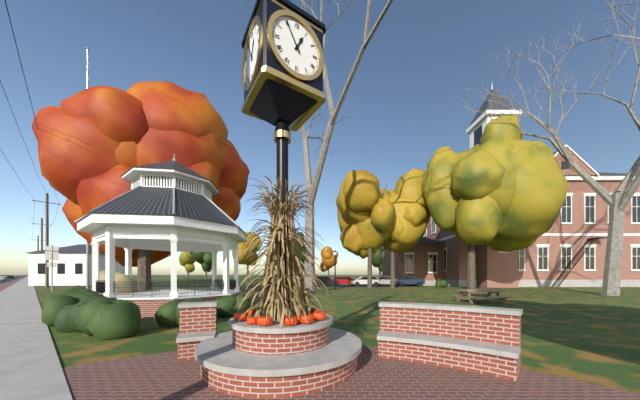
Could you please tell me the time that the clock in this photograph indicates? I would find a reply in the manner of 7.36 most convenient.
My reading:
12.55
